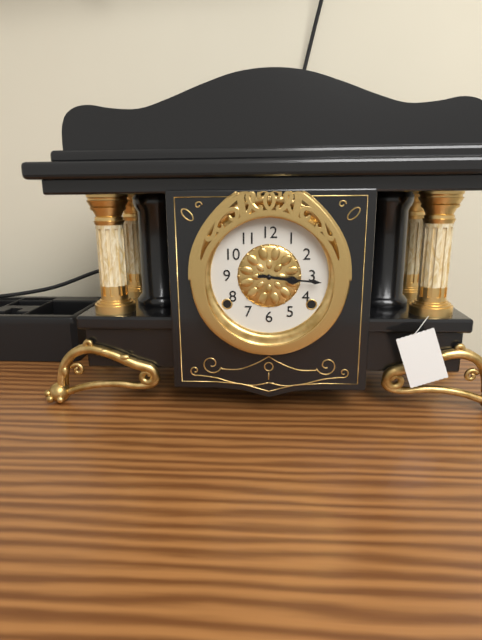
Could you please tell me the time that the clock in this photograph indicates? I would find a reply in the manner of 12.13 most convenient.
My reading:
3.16
